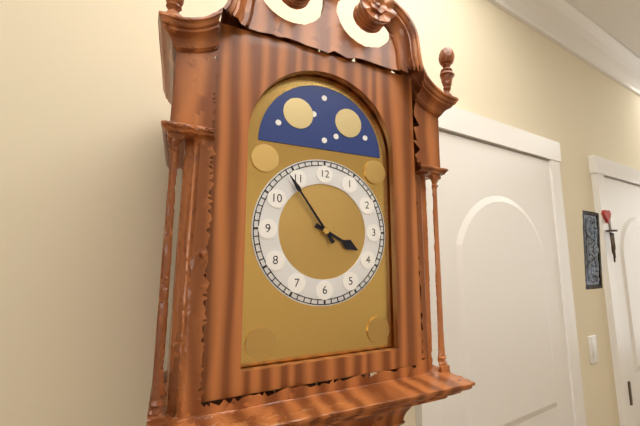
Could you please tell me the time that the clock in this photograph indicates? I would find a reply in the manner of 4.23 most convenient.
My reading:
3.54
